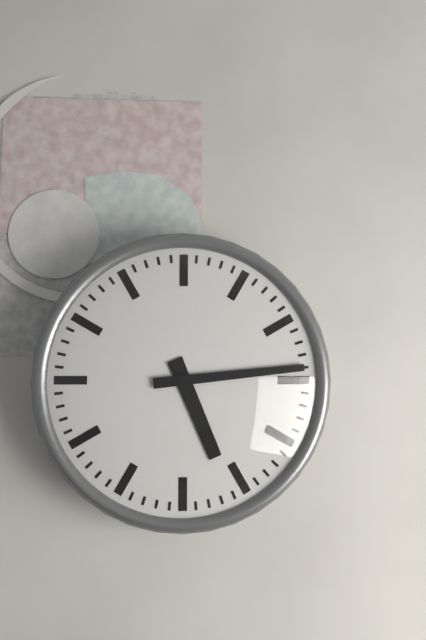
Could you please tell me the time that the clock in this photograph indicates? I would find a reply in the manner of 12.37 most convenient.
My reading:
5.14
